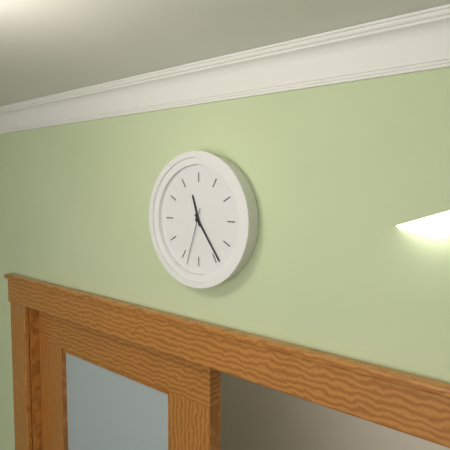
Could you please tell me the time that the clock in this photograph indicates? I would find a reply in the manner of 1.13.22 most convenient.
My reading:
11.24.33
